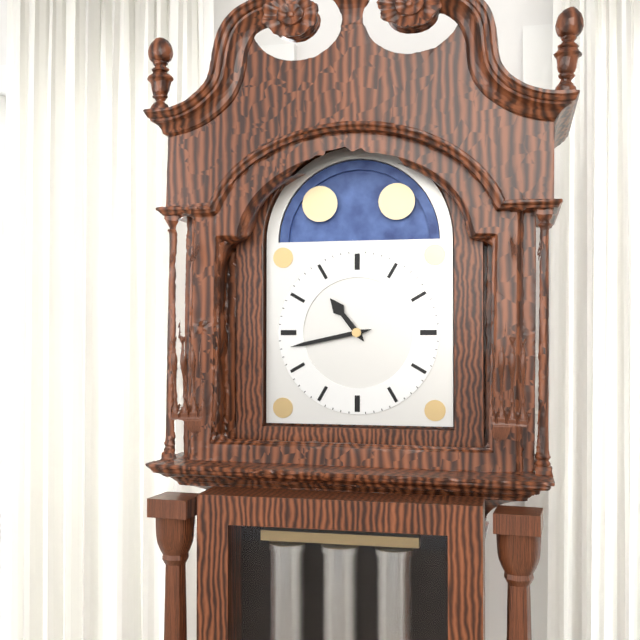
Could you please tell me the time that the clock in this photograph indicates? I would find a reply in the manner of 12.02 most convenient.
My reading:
10.43
